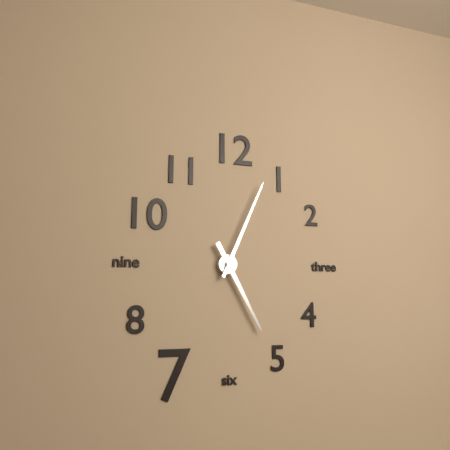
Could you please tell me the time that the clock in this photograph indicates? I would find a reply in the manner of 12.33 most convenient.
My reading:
5.04
